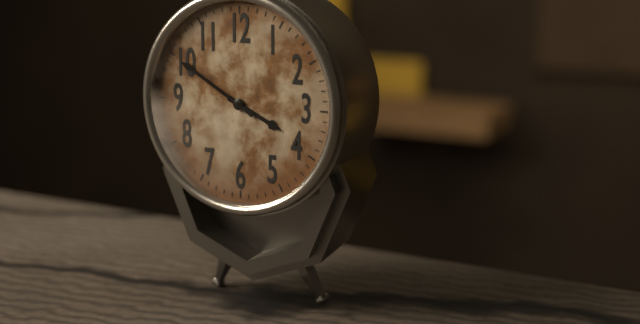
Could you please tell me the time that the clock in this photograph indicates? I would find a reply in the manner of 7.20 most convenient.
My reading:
3.50
